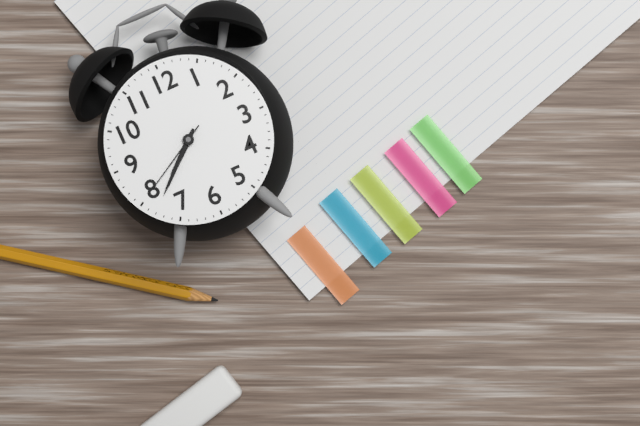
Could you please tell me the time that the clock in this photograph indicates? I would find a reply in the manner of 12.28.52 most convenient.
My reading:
7.38.40
